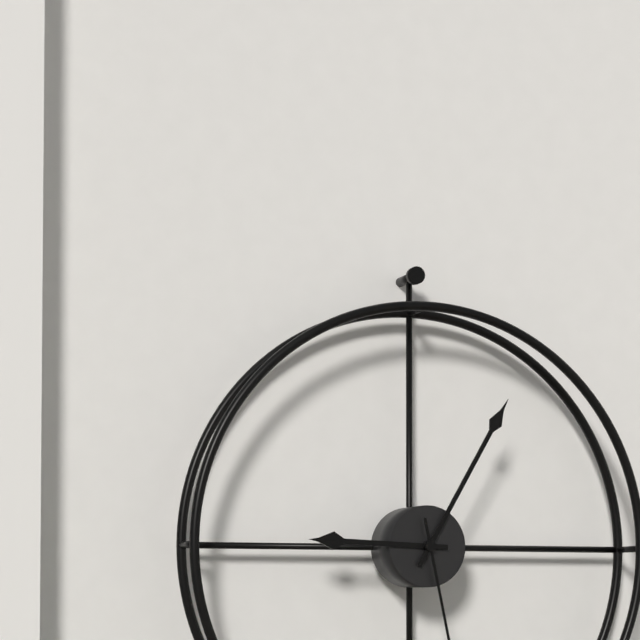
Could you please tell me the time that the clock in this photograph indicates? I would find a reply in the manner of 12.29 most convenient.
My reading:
9.05
